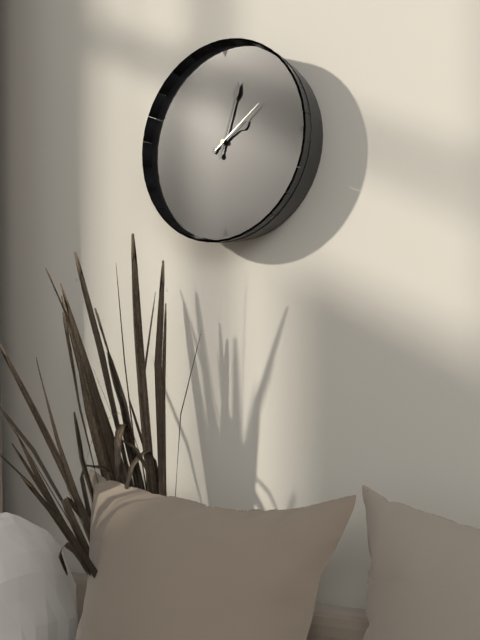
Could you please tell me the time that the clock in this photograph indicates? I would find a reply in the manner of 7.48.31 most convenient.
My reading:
2.03.09
